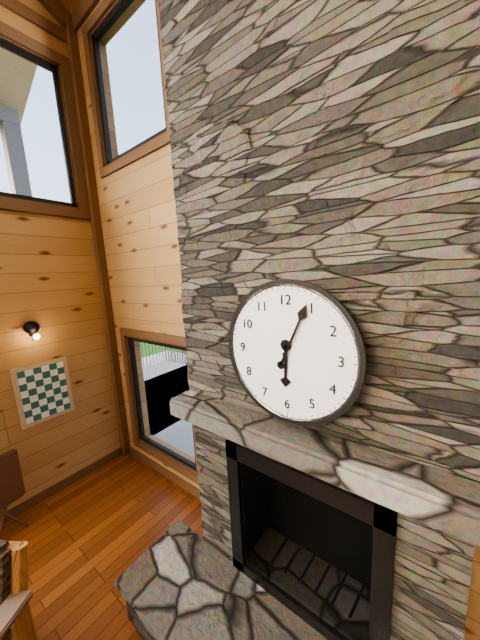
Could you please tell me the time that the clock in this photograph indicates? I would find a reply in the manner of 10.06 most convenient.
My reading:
6.04
